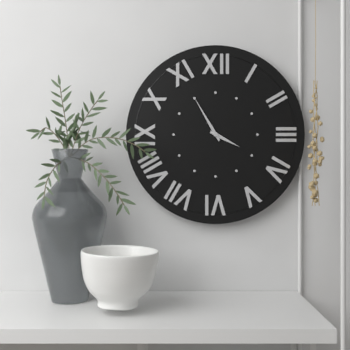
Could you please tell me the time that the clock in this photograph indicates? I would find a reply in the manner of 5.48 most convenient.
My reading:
3.55
